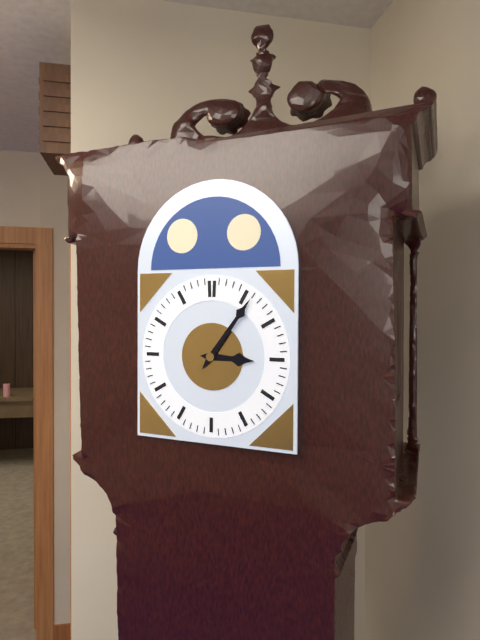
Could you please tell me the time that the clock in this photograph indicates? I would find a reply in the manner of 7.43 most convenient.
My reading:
3.06
